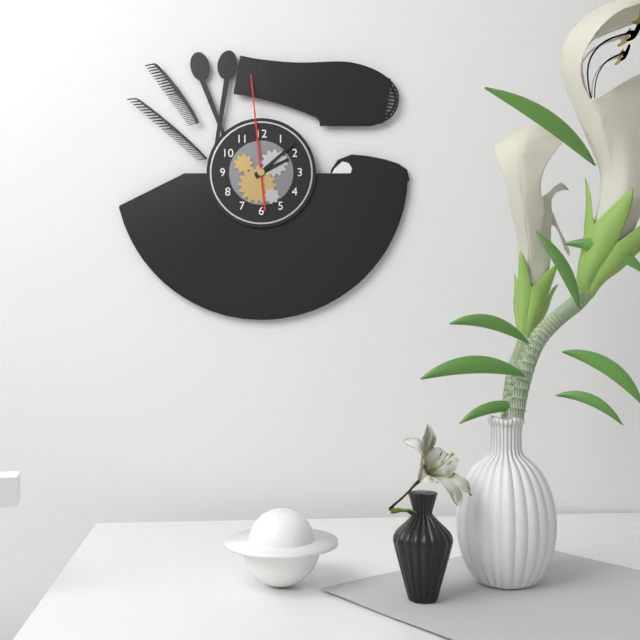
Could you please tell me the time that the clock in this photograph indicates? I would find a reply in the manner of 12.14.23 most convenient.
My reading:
2.08.59
